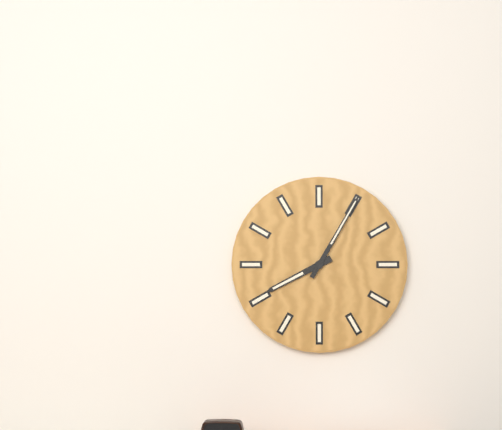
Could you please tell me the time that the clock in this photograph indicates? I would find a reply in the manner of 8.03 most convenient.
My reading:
8.05
